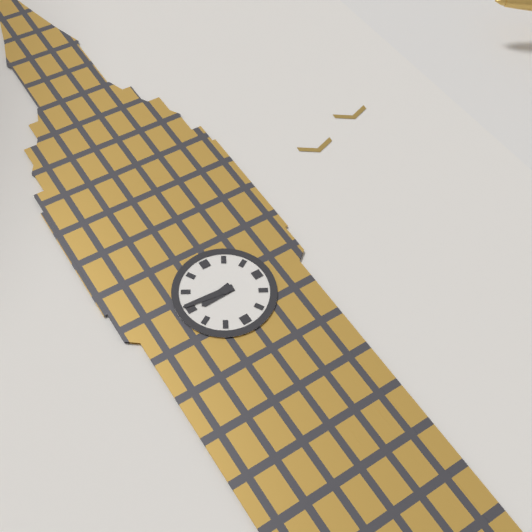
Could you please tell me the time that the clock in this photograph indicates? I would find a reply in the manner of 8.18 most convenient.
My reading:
8.46
